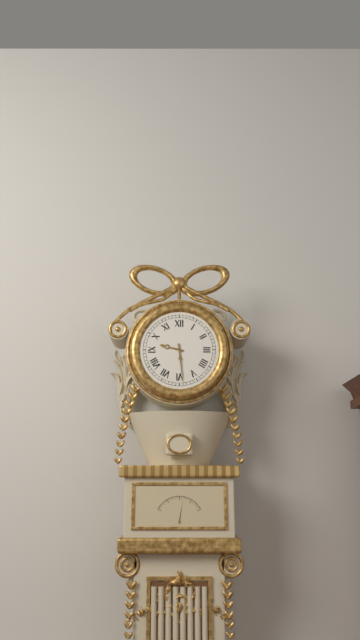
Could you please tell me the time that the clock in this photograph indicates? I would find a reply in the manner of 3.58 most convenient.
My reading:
9.29
